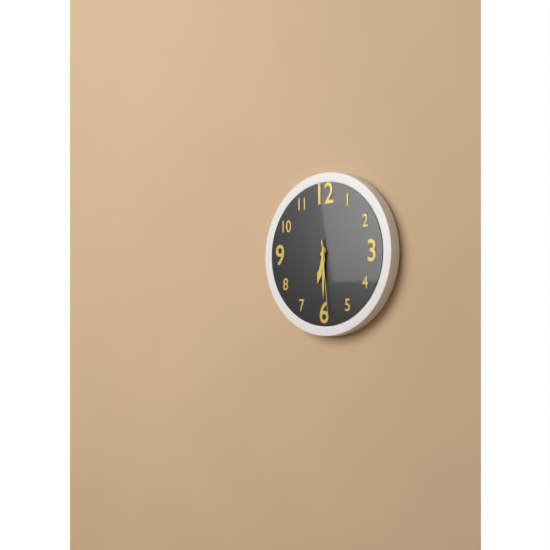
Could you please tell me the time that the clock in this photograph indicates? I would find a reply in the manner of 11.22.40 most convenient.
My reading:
6.30.29
